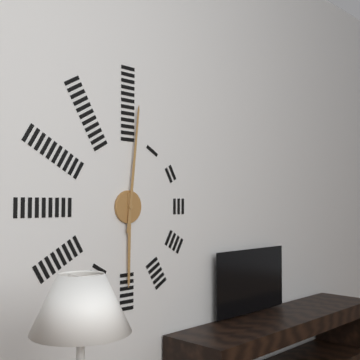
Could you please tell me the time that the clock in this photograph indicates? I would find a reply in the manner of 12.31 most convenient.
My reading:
6.01
